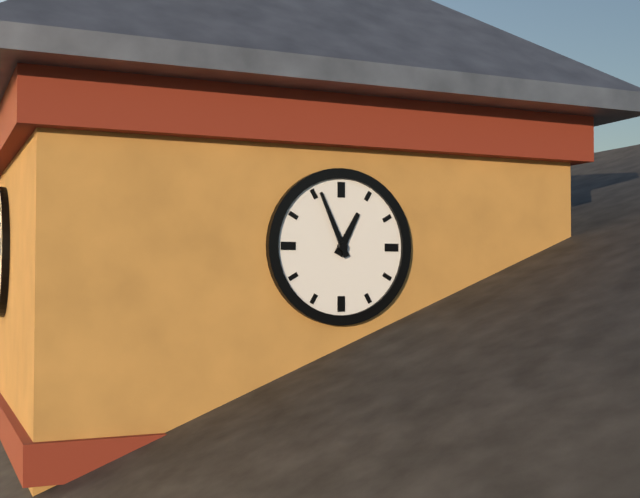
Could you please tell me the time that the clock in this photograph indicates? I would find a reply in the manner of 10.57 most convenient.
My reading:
12.56
